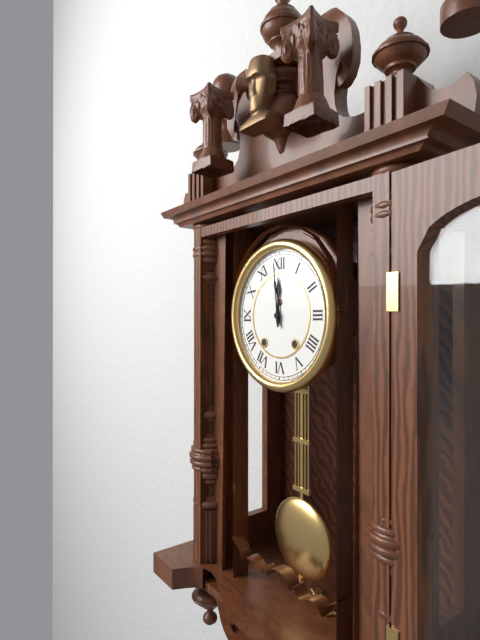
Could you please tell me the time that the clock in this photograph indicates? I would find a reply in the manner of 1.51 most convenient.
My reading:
11.59
